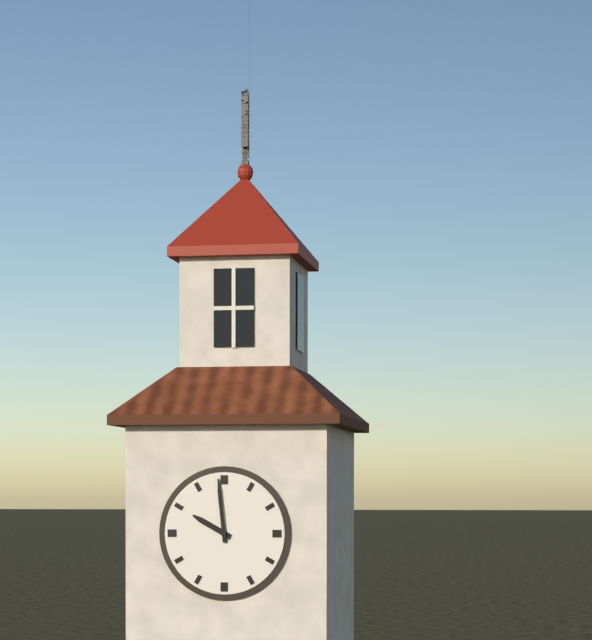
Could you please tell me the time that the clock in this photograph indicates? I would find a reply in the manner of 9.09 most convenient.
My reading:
9.59
